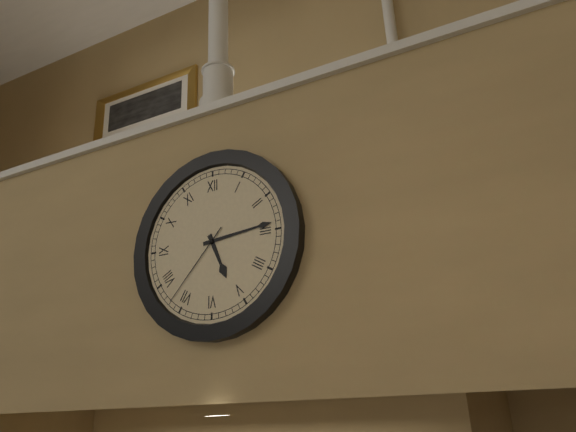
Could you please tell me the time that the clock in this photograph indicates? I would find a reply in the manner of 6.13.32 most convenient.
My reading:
5.14.37
